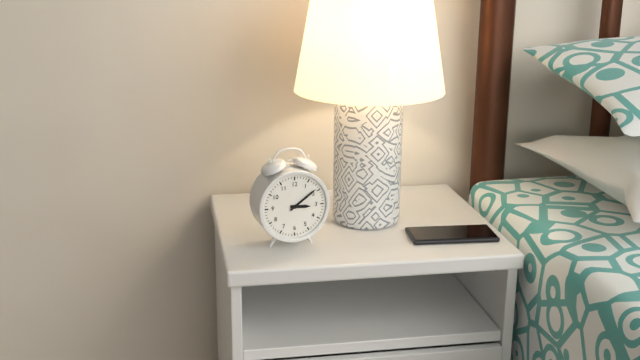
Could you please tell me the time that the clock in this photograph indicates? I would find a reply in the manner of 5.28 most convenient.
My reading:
3.09
